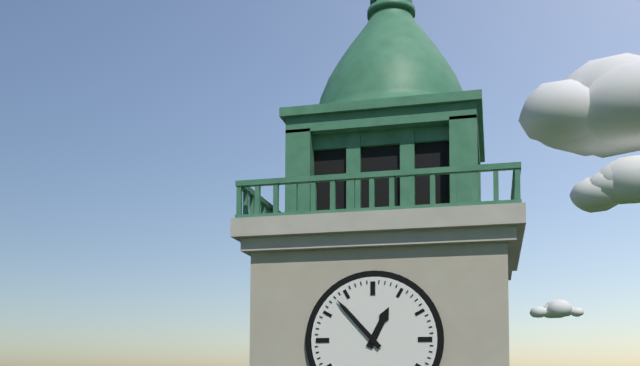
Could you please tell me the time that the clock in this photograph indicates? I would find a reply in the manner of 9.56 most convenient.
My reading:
12.53
